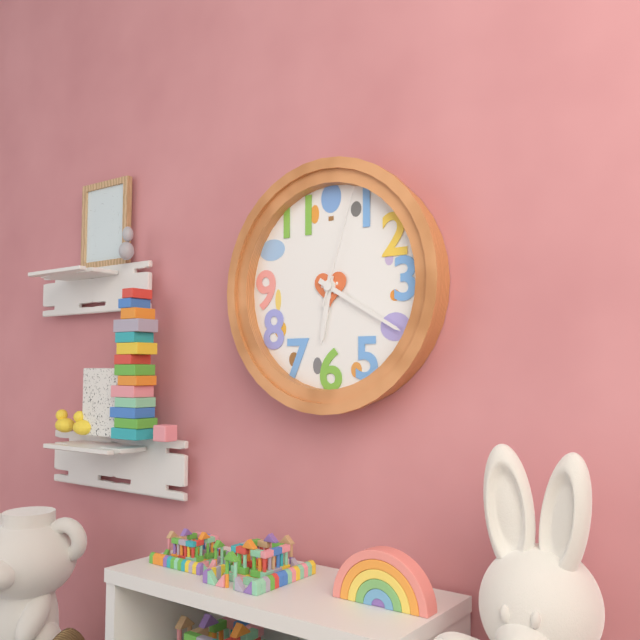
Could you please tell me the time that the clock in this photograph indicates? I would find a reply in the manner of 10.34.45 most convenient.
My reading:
6.20.03
